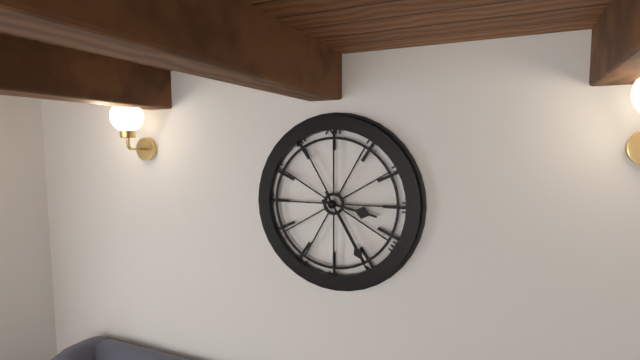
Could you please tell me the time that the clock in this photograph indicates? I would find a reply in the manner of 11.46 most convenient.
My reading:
3.25
